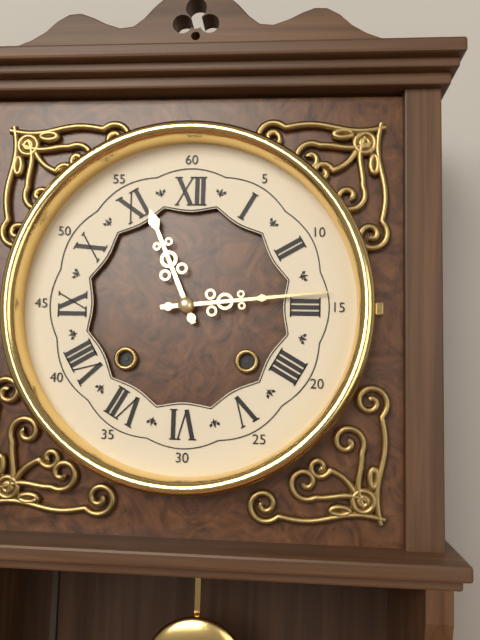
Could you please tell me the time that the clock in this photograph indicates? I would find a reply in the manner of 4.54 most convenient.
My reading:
11.14
